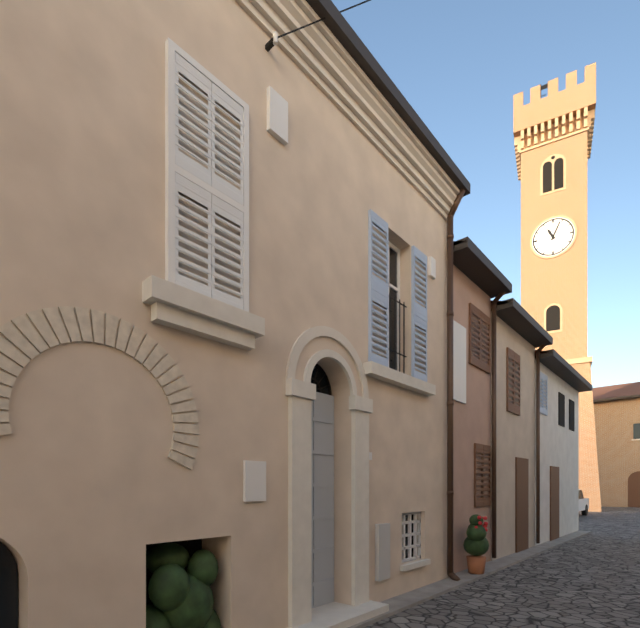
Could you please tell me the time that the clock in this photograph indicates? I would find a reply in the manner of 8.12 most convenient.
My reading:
11.04
